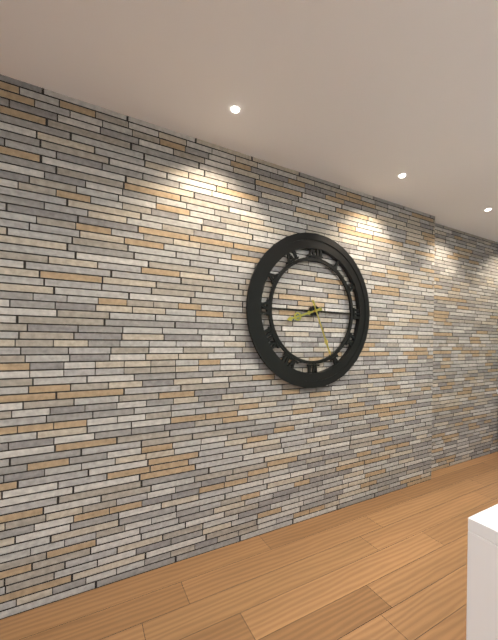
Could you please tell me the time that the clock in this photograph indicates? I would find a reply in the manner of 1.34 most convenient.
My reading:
8.26
